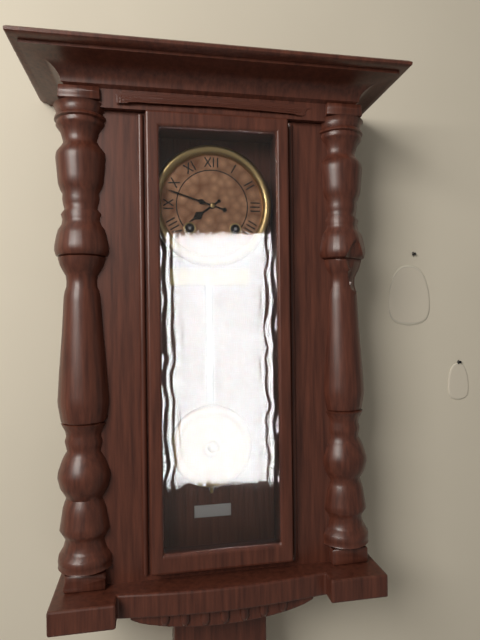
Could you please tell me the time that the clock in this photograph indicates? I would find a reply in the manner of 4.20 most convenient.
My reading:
7.48
